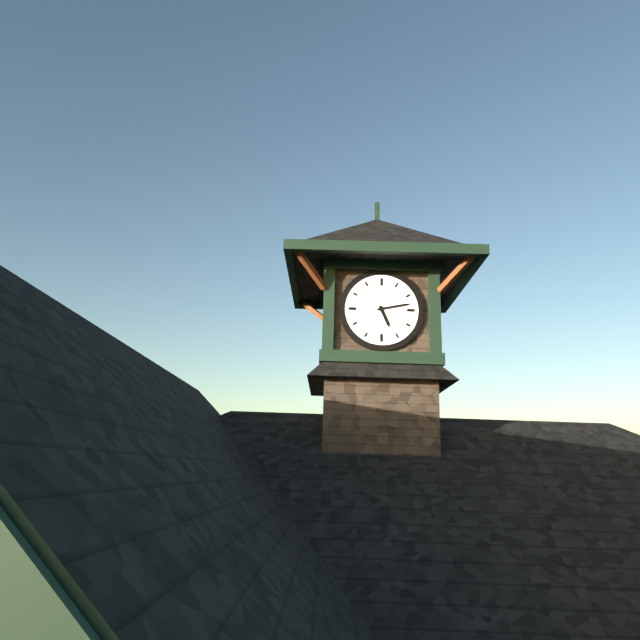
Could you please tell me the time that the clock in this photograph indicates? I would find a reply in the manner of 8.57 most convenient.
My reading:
5.13
